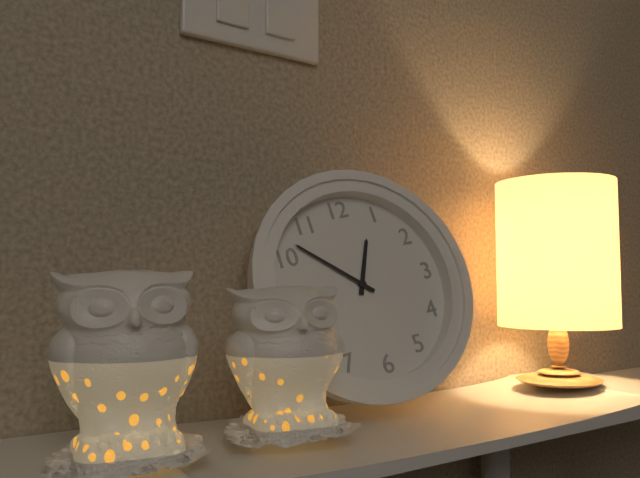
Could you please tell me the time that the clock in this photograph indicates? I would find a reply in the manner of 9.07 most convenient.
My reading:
12.52
